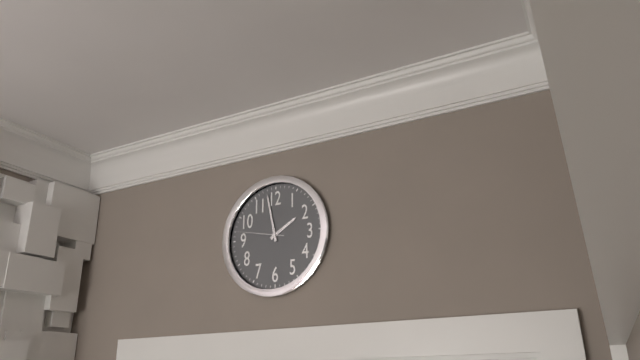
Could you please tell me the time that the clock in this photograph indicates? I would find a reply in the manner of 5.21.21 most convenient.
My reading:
1.58.47
